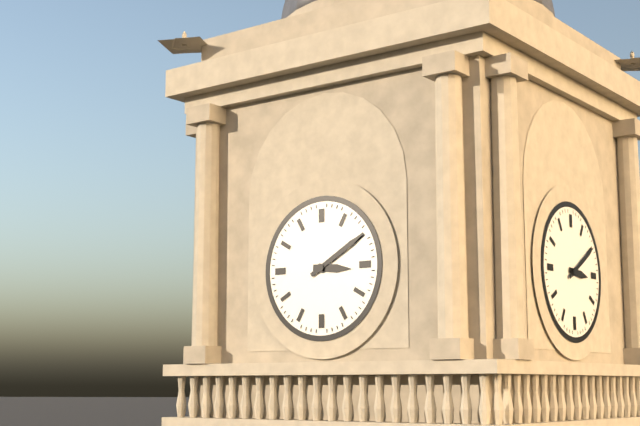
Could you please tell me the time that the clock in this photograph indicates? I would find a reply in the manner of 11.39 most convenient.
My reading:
3.10
